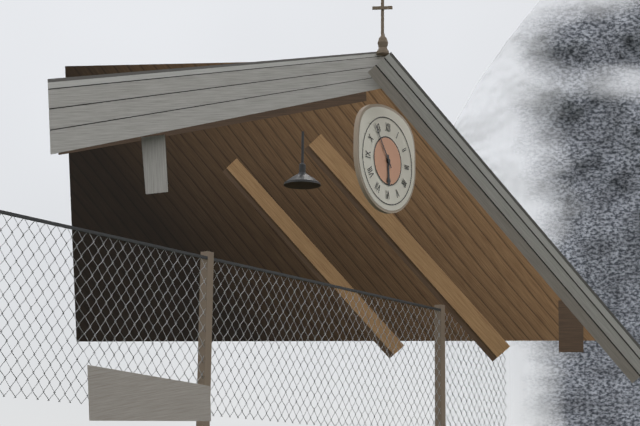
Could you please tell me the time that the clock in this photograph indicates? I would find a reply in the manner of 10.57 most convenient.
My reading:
5.54
